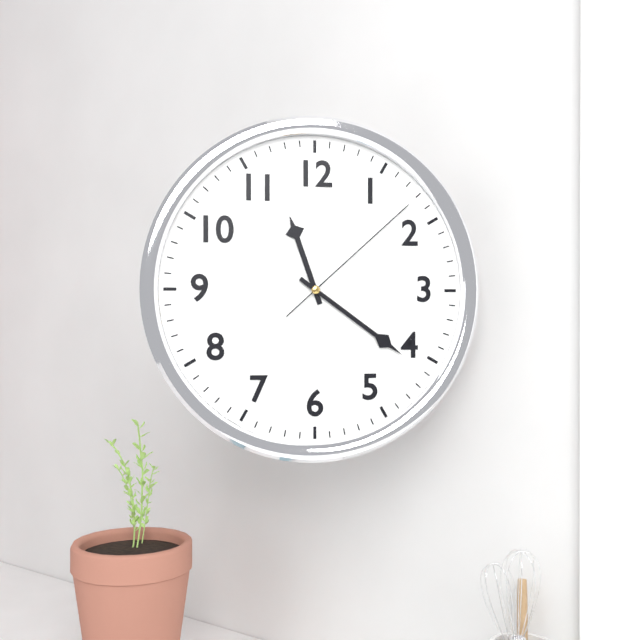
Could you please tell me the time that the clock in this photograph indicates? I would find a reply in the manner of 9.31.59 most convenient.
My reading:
11.21.08
